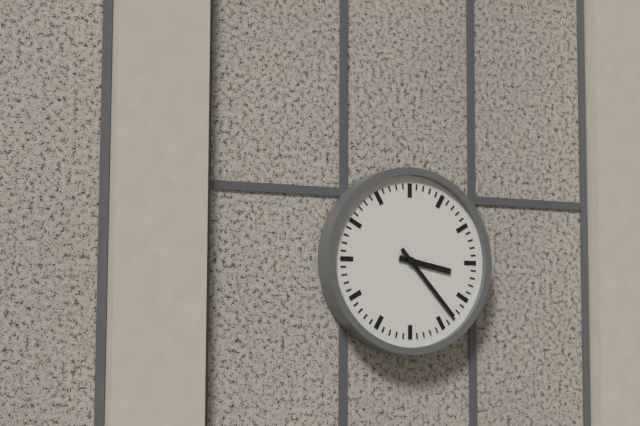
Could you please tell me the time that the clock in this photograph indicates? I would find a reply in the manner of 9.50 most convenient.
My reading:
3.23
